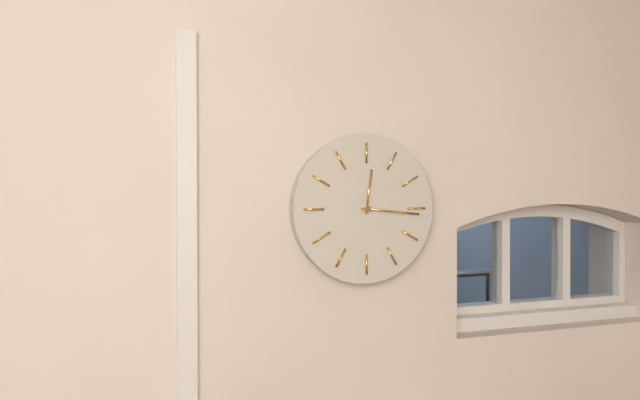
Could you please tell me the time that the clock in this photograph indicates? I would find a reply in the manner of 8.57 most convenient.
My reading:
12.16
